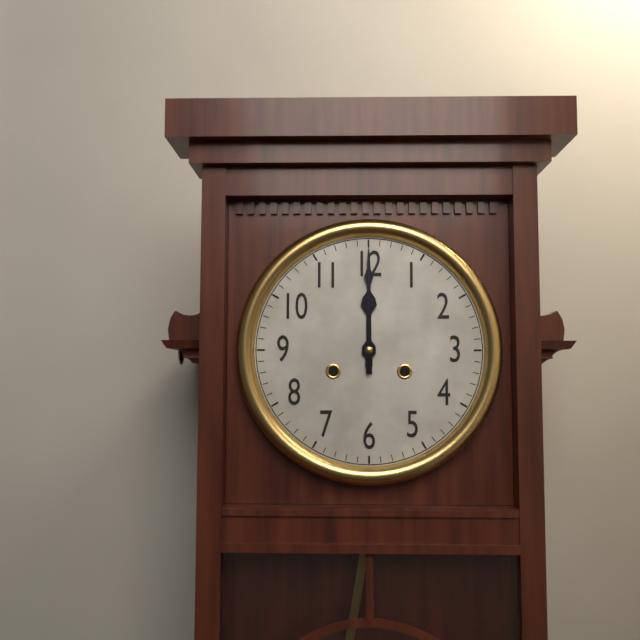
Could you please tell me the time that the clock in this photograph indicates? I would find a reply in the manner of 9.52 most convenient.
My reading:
12.00
